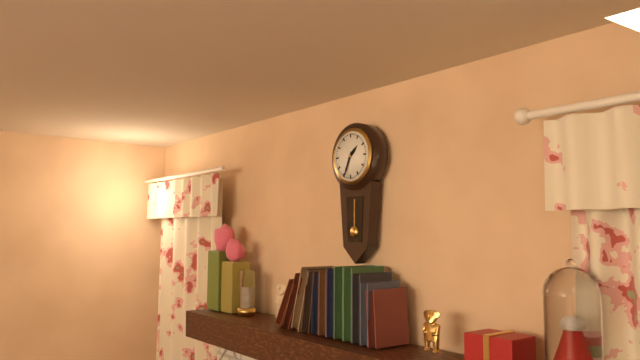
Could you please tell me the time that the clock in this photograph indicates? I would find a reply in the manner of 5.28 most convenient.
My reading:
1.34
